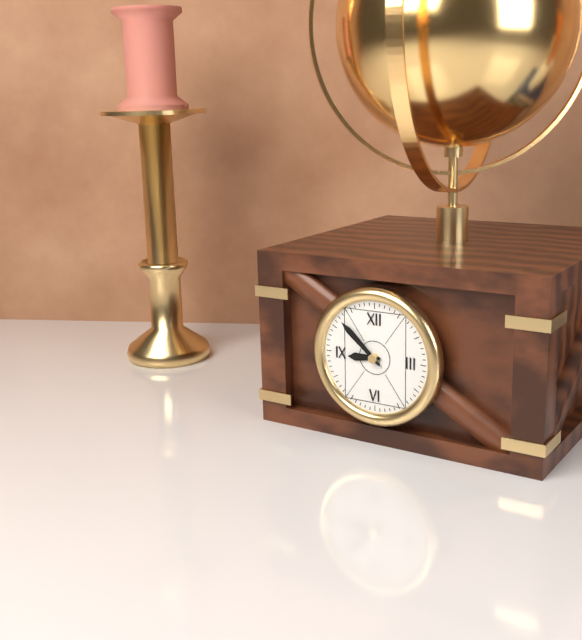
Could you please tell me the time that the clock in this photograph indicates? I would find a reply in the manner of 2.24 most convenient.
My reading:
8.52
